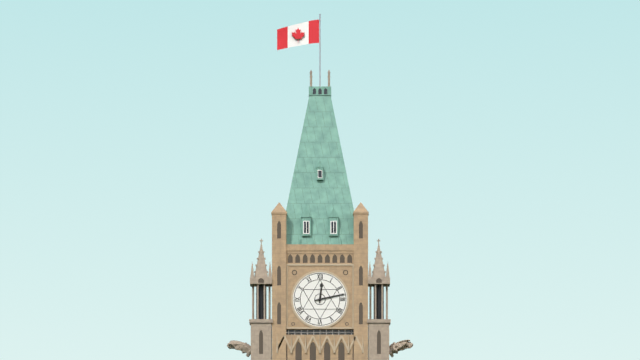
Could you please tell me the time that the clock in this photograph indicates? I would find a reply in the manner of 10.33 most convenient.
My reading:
12.13
